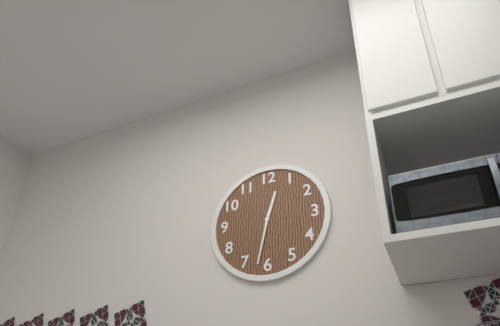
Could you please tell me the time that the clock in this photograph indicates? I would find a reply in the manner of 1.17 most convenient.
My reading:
12.32
